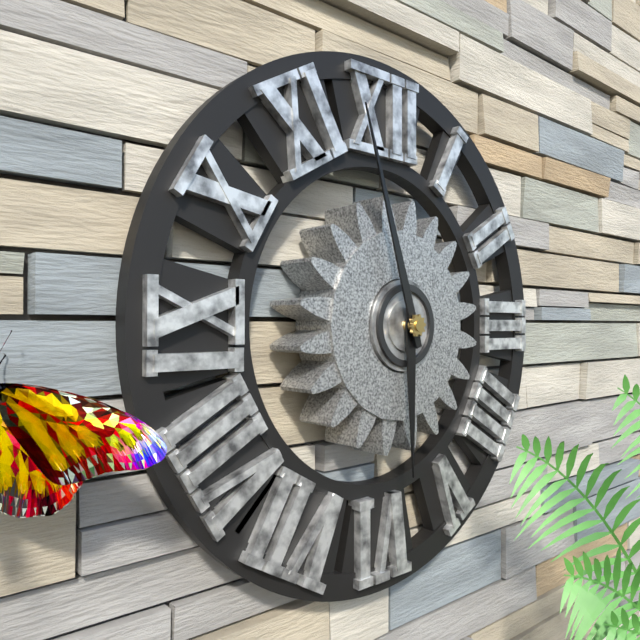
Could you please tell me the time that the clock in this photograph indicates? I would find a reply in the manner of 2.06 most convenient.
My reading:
5.57
